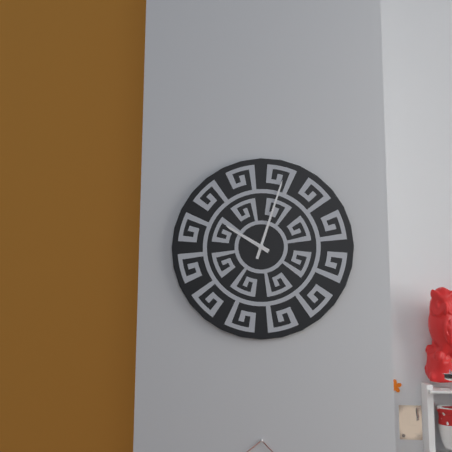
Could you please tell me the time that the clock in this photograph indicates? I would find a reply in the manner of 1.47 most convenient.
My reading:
10.03
